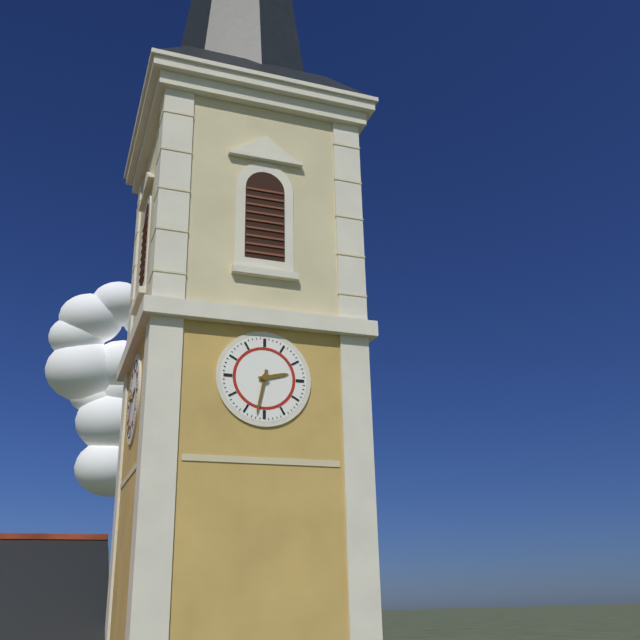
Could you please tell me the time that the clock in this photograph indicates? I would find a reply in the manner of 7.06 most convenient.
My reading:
2.32
